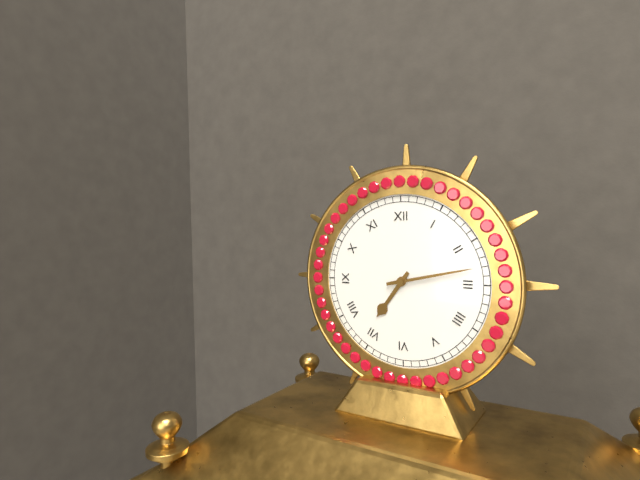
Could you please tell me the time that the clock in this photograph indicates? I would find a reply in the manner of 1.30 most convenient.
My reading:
7.13
